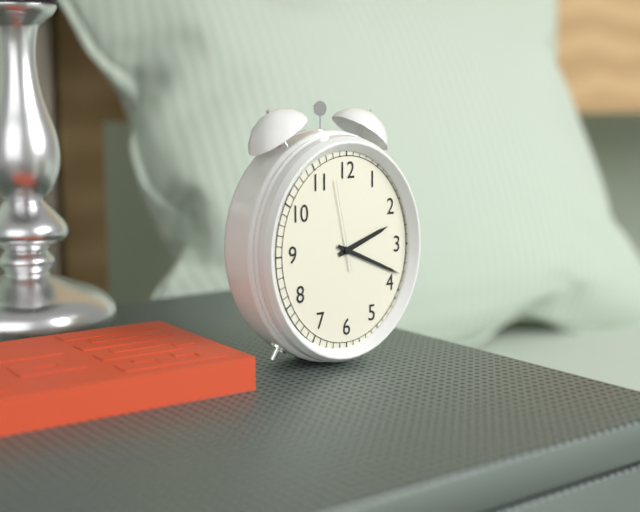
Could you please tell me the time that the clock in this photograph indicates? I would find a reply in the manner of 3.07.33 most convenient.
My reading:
2.19.58
